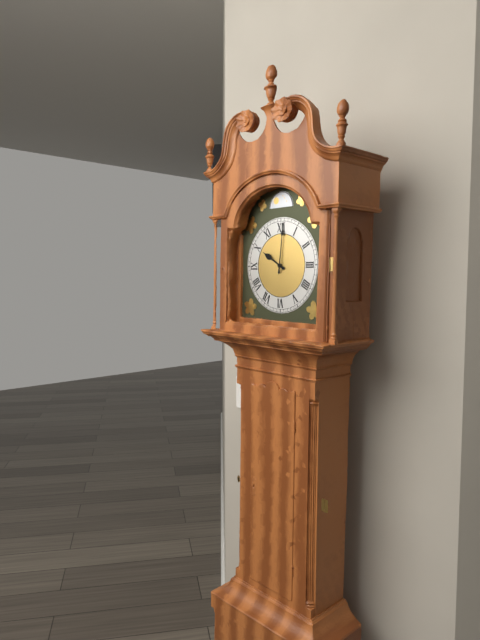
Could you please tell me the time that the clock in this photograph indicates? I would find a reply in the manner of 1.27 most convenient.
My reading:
10.01
